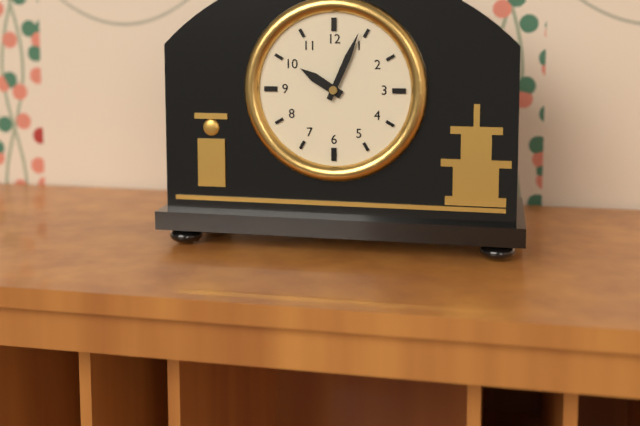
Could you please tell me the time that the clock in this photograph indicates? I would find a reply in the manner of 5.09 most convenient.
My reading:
10.04
